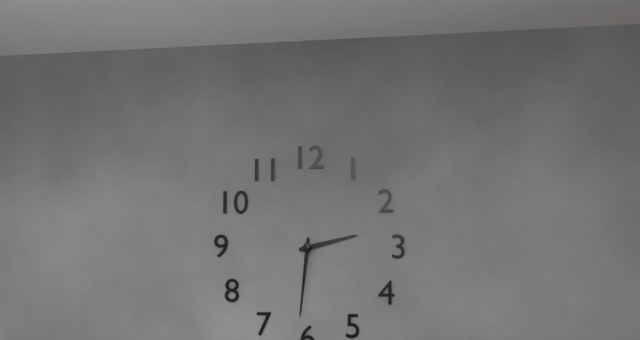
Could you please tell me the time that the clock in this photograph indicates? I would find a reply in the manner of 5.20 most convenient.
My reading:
2.31
